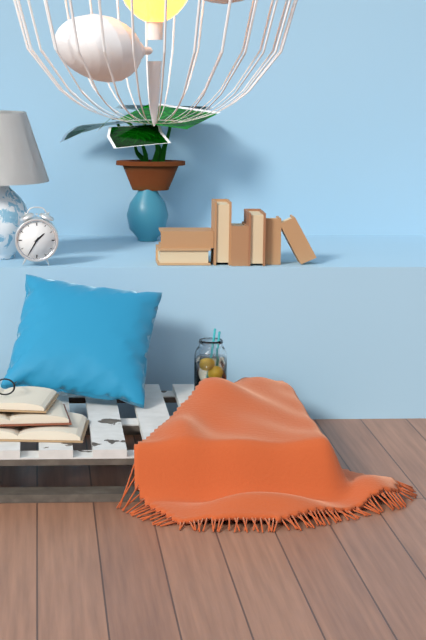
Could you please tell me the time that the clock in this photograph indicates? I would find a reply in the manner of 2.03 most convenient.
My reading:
1.35
